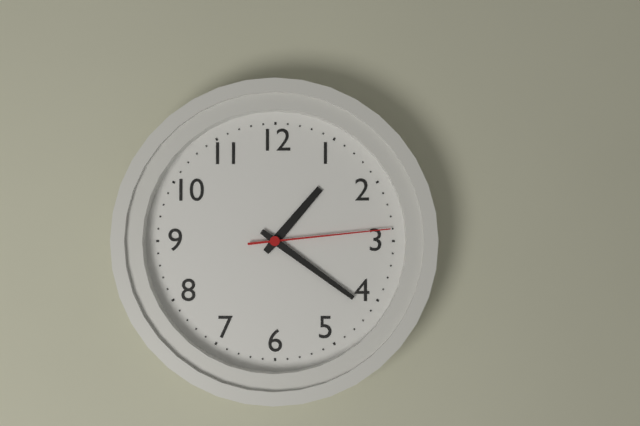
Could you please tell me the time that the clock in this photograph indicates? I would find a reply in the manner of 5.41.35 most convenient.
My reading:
1.21.14
